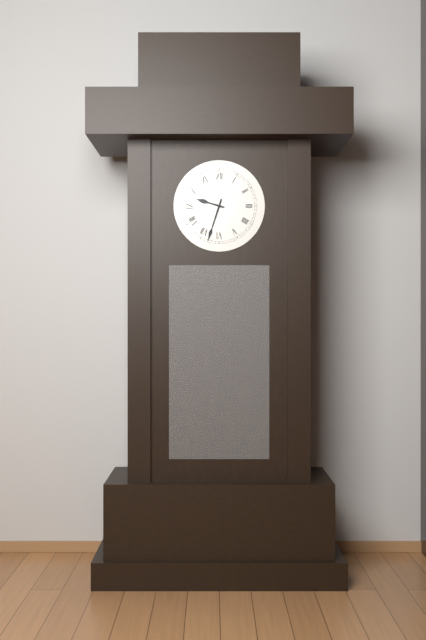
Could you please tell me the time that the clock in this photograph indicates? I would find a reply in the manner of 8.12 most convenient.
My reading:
9.33
